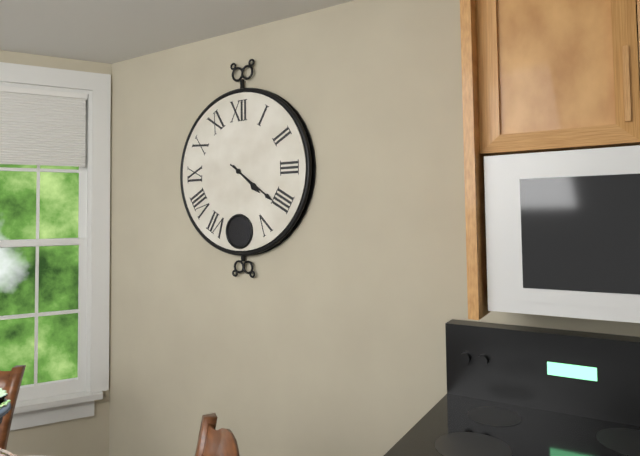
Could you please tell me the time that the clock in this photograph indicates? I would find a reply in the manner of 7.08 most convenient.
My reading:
4.21
